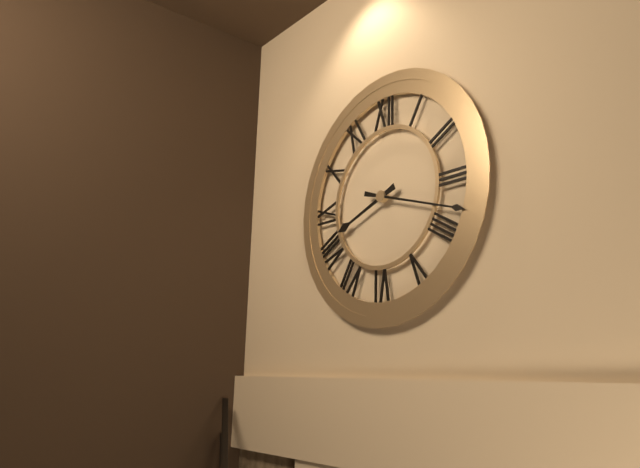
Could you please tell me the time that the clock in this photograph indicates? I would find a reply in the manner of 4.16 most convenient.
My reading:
8.18
